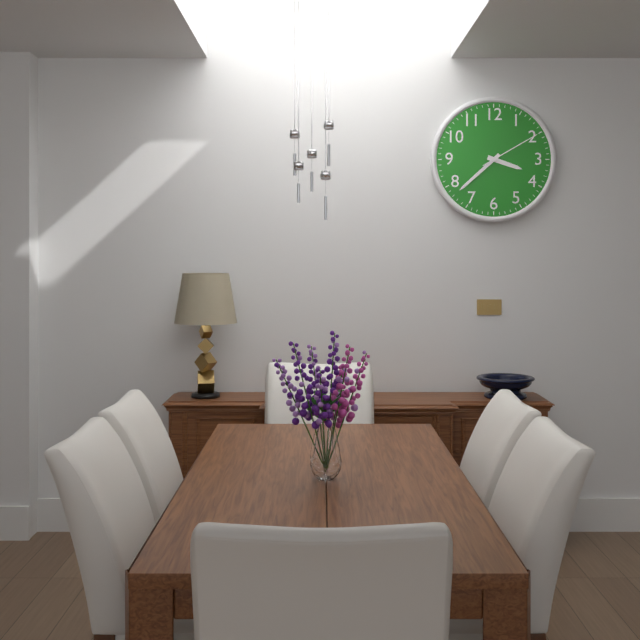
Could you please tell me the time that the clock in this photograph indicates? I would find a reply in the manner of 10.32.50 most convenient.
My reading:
3.38.10
